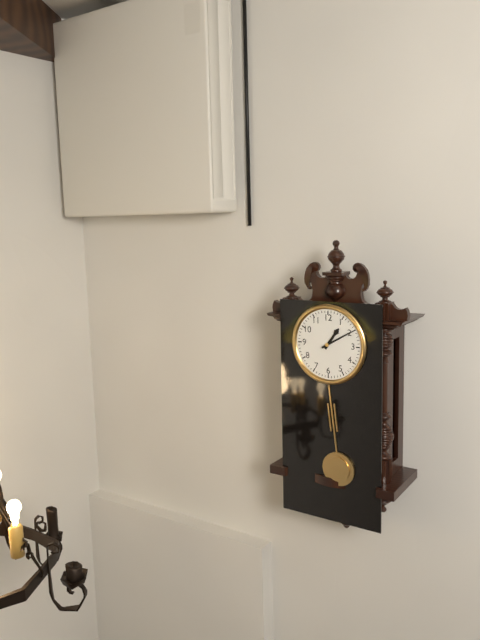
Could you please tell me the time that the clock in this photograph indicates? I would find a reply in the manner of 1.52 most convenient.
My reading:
1.10
